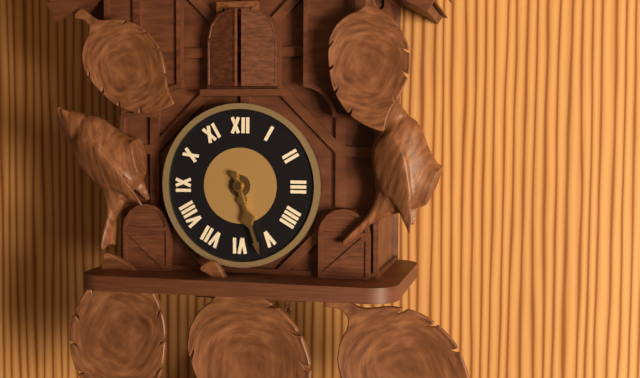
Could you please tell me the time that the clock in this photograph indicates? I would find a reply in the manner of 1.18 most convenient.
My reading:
5.27
